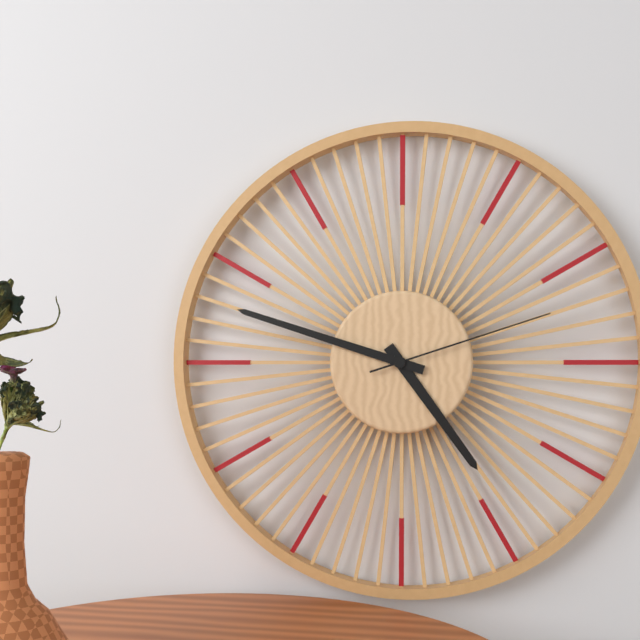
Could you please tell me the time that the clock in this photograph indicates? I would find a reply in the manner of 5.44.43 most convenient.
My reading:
4.48.12
